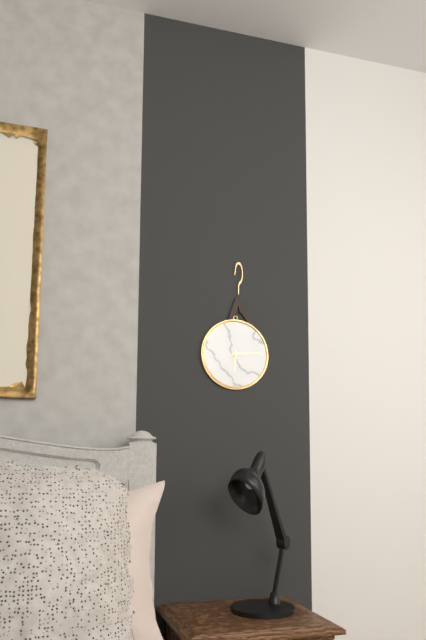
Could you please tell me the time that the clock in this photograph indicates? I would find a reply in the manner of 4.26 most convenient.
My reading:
6.14
